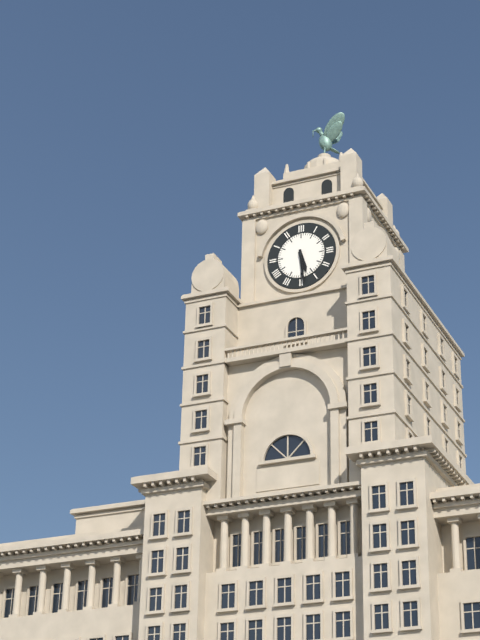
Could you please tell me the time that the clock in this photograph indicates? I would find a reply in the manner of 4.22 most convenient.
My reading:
5.29
